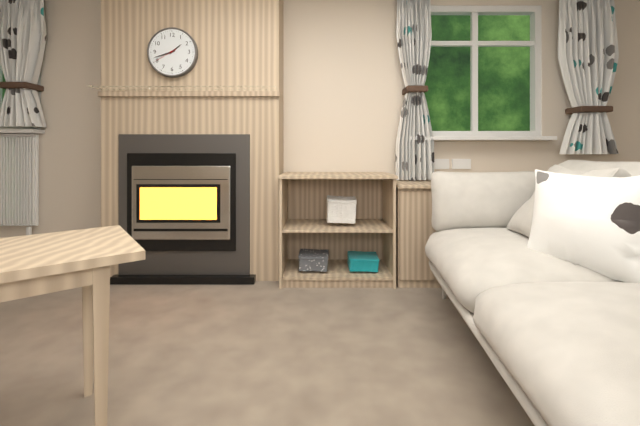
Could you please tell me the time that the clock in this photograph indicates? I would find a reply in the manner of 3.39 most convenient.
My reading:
1.42
